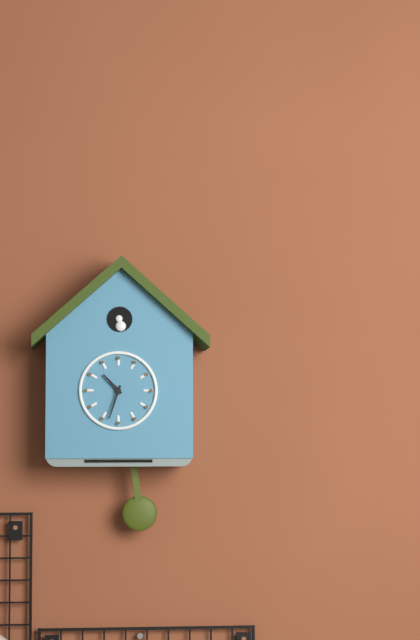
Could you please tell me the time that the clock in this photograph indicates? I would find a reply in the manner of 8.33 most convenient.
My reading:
10.33
